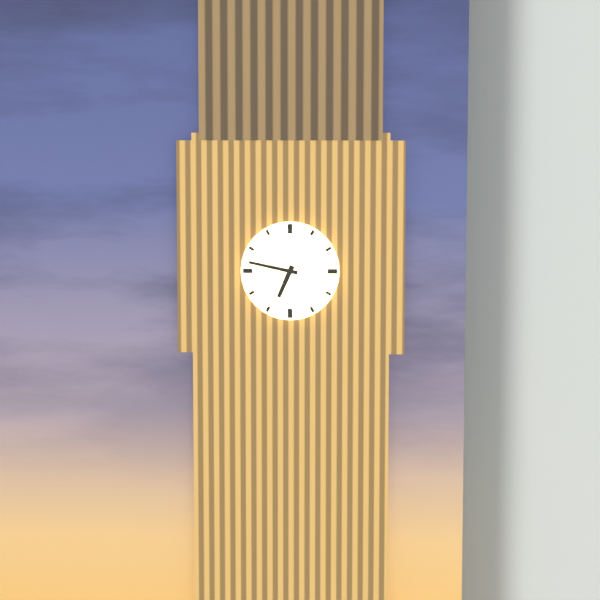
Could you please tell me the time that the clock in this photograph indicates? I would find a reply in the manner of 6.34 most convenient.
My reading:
6.47
